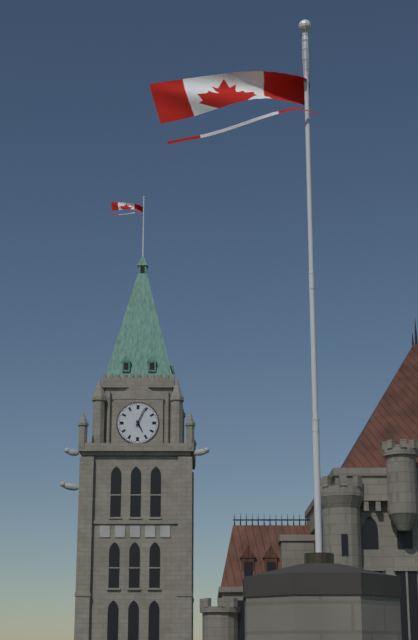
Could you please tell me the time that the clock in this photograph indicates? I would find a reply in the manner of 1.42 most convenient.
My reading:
5.04
